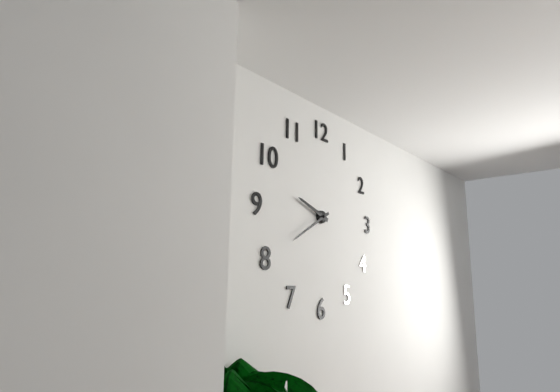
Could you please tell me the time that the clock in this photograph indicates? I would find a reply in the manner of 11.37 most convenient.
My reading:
9.40
